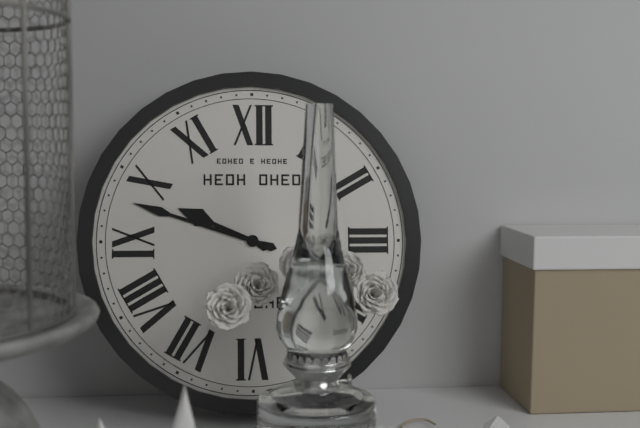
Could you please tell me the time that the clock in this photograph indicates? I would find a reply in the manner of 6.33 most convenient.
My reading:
9.48
